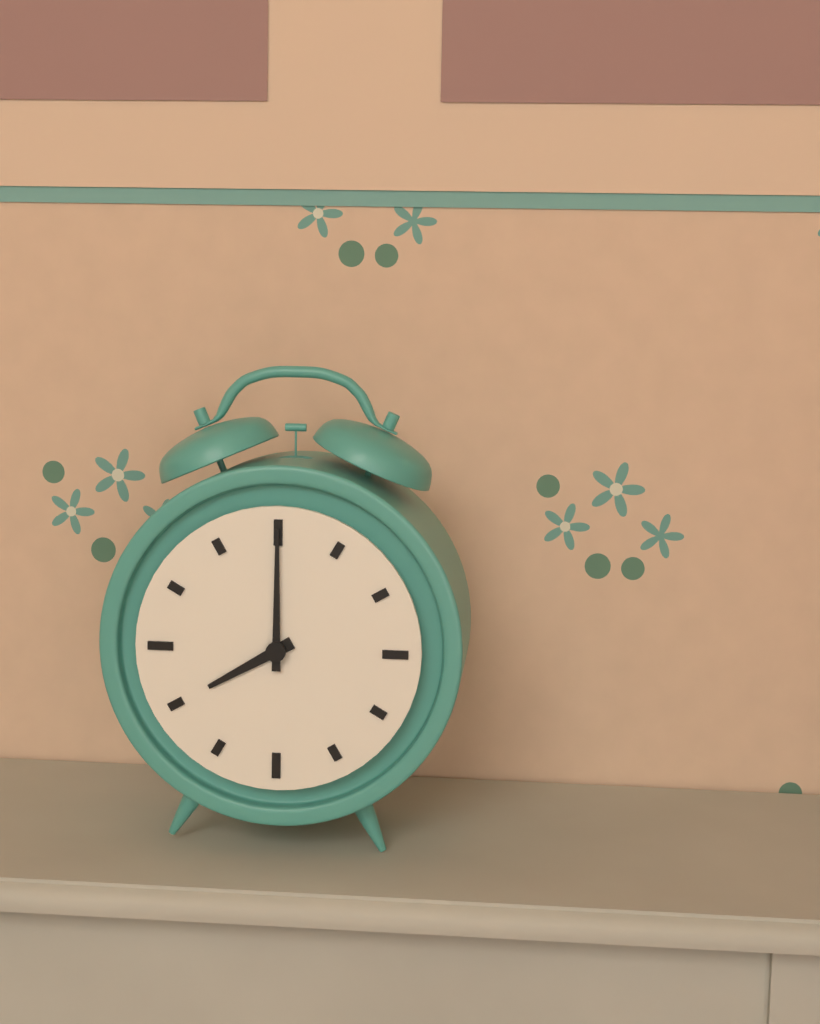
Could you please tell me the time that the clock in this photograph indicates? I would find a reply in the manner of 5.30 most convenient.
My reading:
8.00
